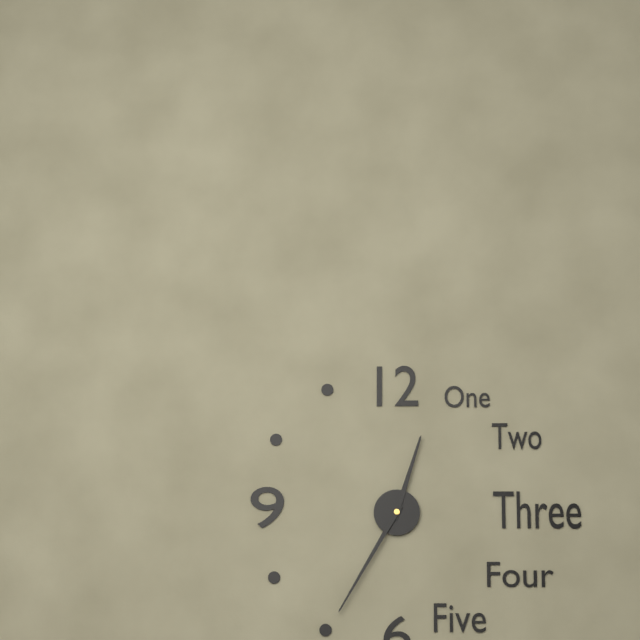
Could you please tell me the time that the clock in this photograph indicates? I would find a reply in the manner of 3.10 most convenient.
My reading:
12.35
